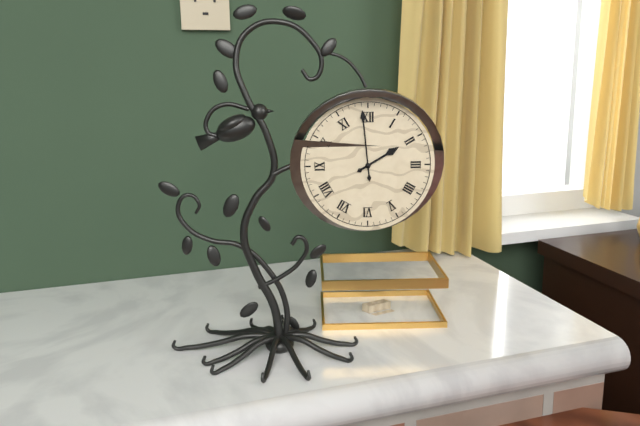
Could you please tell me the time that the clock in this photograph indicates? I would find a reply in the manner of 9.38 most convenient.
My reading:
1.59
